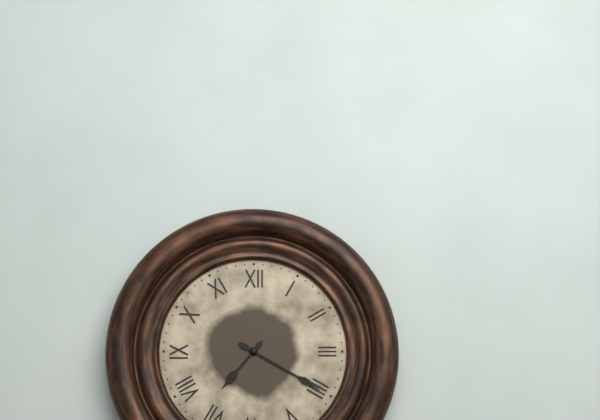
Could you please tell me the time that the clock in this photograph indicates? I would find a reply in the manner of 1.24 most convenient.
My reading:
7.20
